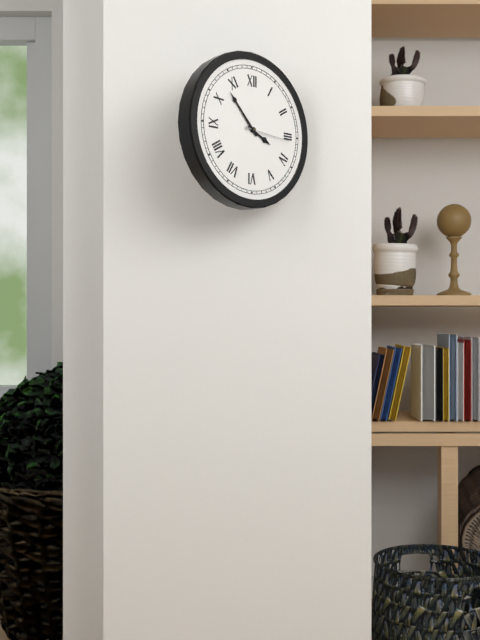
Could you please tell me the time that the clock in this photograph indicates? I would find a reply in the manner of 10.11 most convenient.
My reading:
3.53
